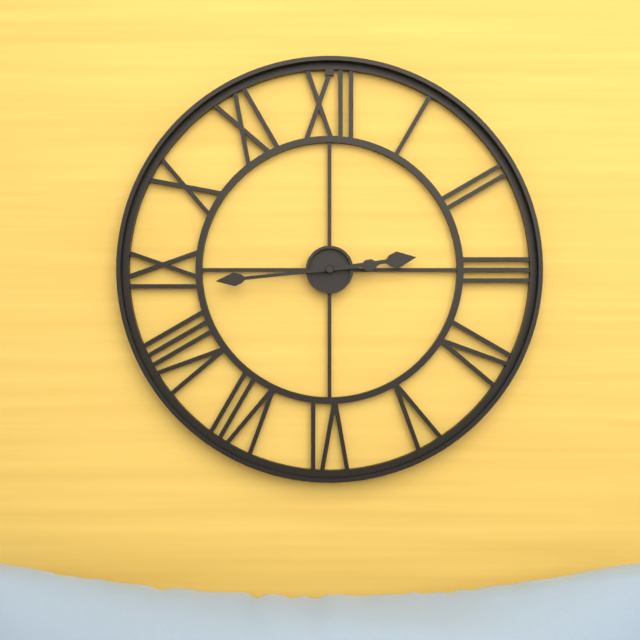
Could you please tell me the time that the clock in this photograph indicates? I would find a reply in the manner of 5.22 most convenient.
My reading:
2.44
